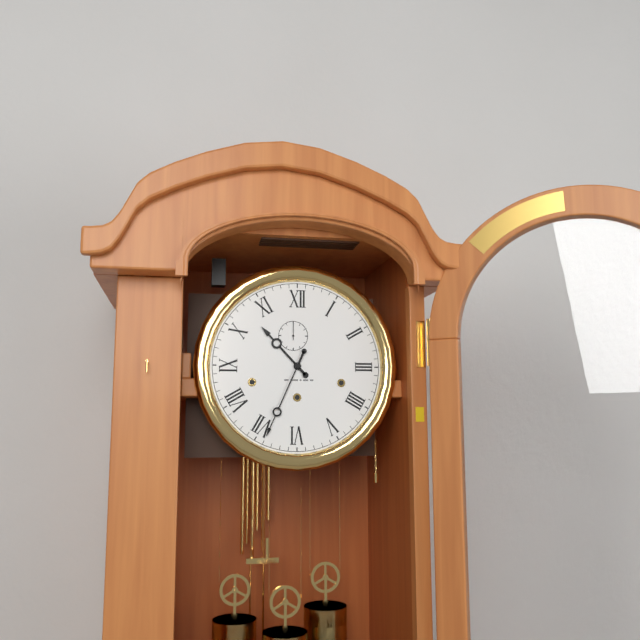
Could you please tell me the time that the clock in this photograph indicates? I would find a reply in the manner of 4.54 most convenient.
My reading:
10.34
